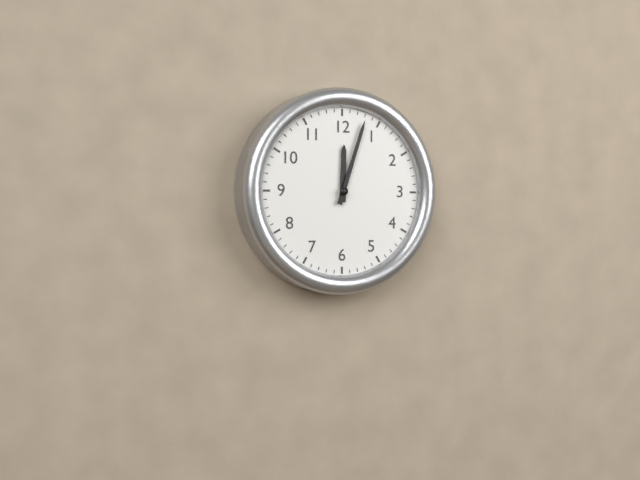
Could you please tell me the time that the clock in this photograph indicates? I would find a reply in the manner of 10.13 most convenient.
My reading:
12.03
